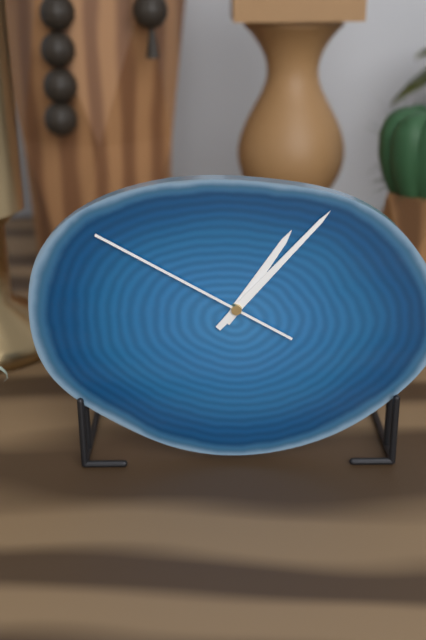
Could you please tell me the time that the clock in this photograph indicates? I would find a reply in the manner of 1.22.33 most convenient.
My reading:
1.07.50
